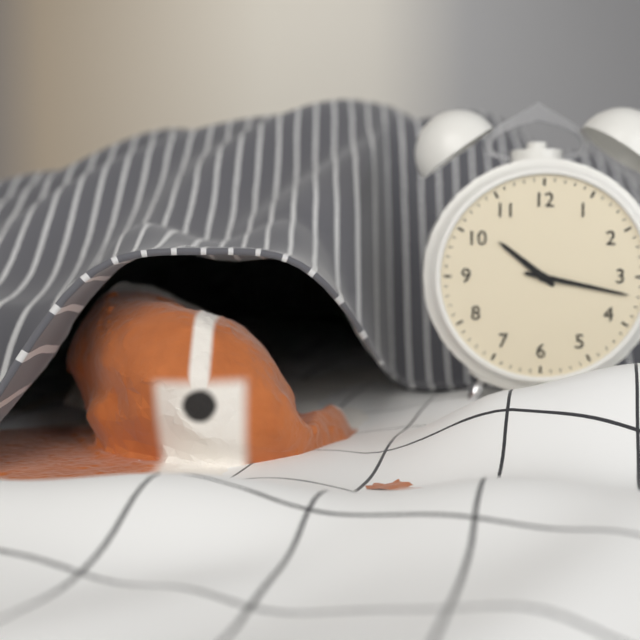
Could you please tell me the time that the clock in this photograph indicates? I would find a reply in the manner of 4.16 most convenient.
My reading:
10.17
